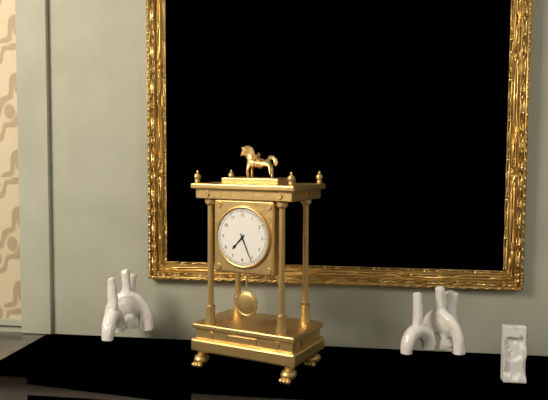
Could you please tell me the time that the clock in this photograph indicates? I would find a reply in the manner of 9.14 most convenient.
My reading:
7.26
